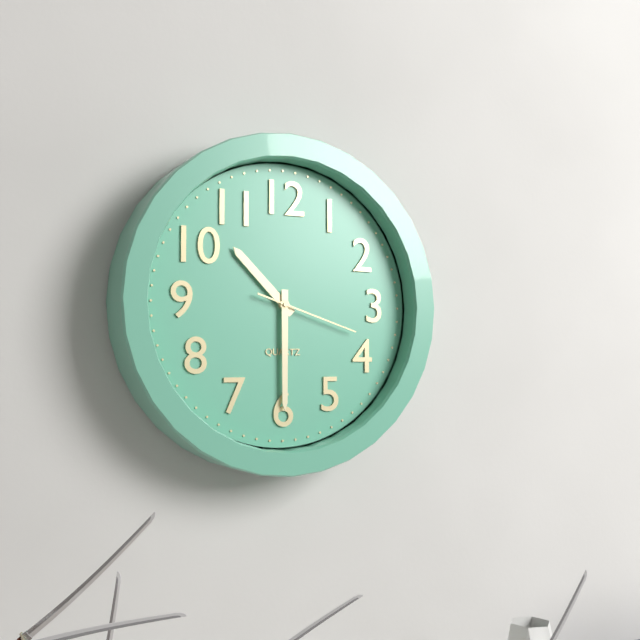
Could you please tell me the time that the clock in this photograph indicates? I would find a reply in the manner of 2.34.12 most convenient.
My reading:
10.30.18
